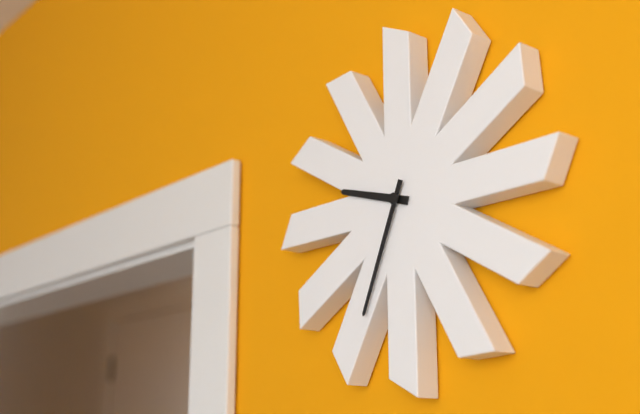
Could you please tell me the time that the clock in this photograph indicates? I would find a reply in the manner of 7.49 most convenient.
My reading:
9.34
